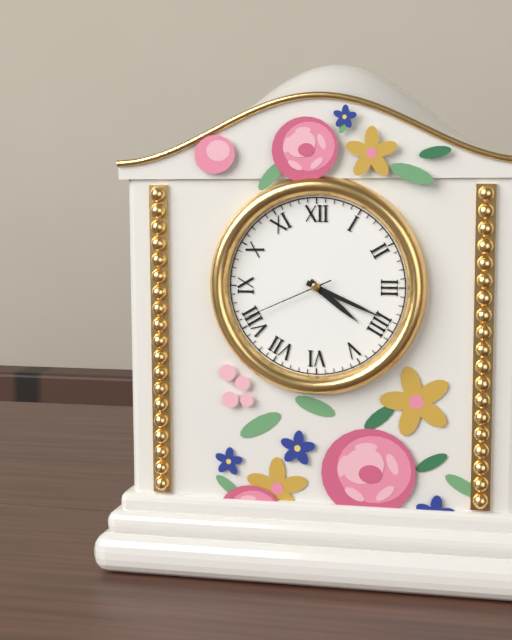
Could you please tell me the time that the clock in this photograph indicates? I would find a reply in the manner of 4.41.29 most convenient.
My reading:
4.19.41
